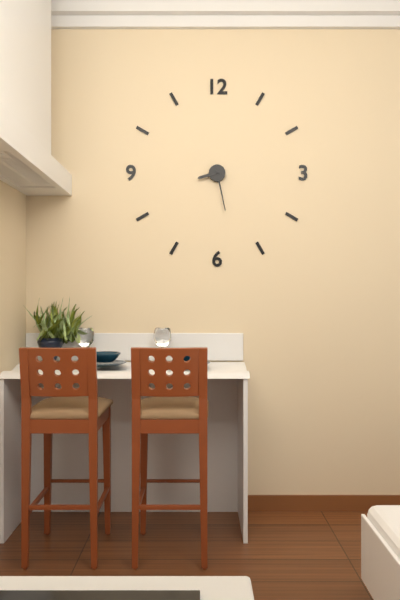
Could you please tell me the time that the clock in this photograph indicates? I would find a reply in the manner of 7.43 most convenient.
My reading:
8.28
